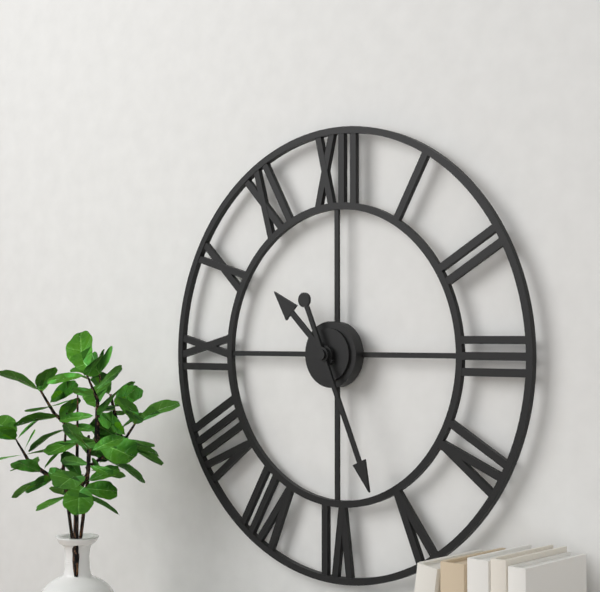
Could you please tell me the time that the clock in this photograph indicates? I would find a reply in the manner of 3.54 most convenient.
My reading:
10.26
